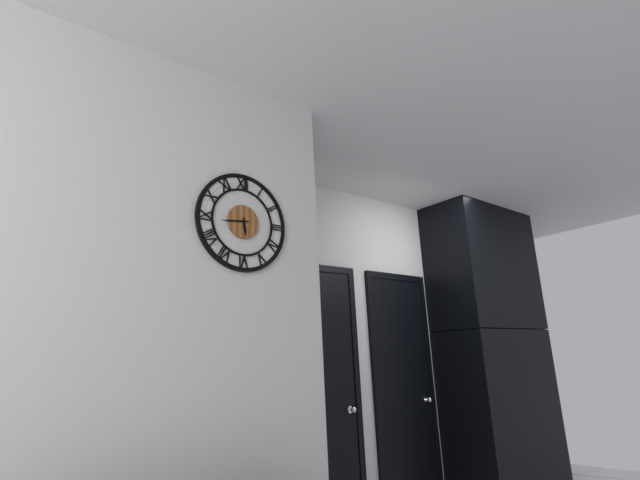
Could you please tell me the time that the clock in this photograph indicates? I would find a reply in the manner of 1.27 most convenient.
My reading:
5.44
